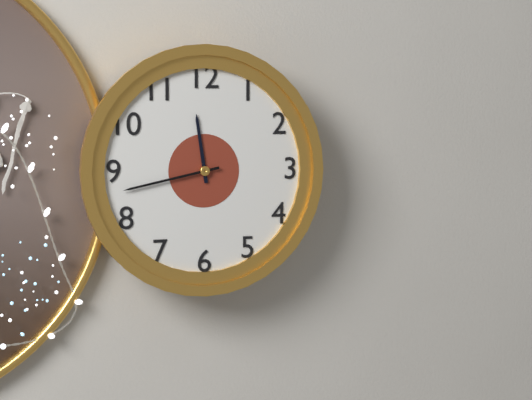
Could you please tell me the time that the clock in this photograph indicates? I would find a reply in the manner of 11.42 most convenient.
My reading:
11.43
